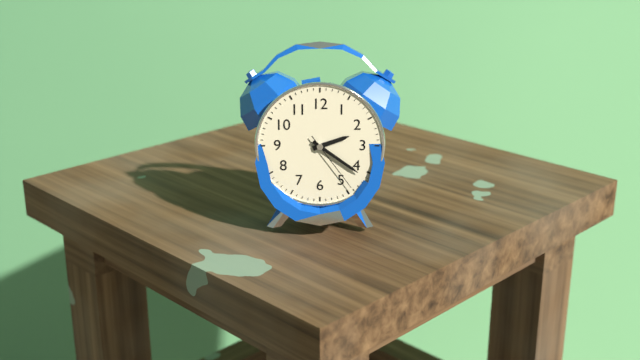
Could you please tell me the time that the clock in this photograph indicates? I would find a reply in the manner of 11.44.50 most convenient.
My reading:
2.21.24
